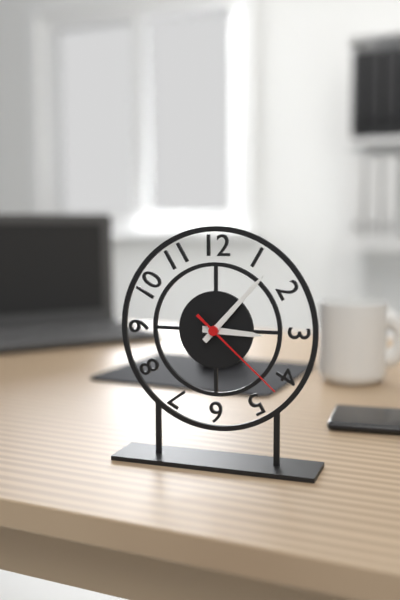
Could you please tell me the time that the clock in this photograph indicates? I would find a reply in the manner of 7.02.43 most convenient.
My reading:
3.07.22
